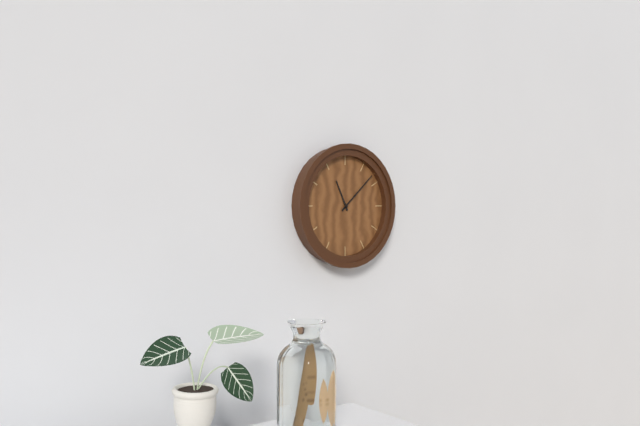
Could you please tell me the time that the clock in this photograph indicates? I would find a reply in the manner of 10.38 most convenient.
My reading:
11.08
